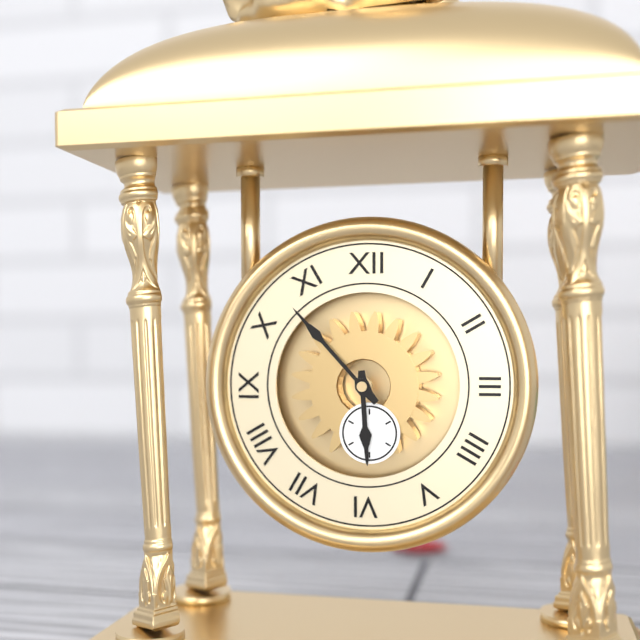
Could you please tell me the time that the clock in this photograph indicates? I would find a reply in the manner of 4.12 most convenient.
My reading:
5.53
